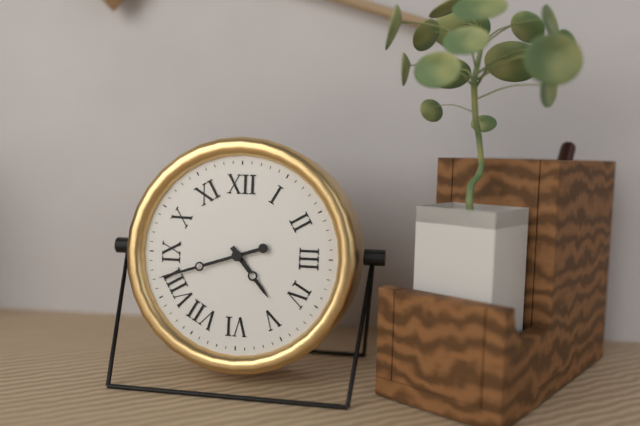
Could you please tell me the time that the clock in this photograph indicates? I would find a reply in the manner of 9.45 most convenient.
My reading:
4.42
